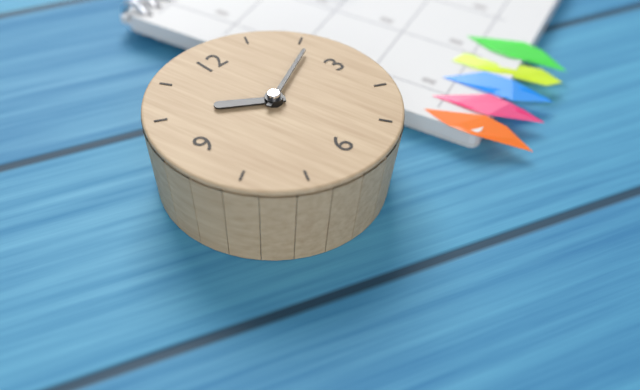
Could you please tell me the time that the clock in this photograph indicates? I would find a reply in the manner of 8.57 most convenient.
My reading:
10.11
